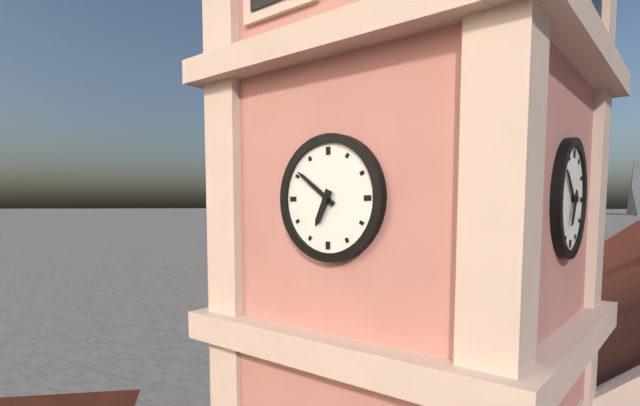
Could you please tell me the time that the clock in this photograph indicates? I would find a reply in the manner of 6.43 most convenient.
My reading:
6.51
